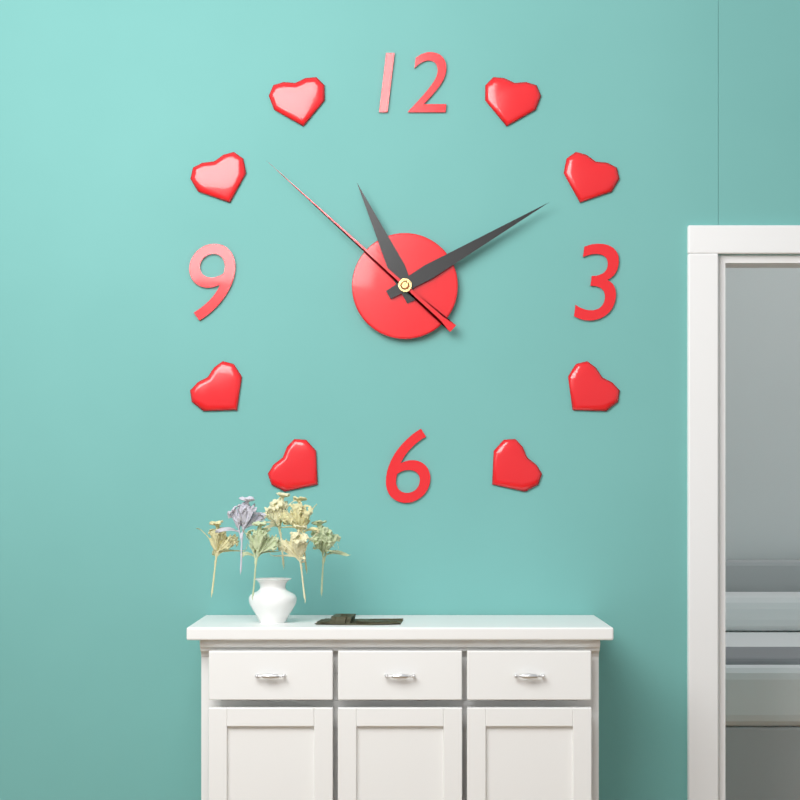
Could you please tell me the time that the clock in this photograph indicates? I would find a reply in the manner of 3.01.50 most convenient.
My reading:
11.10.52
